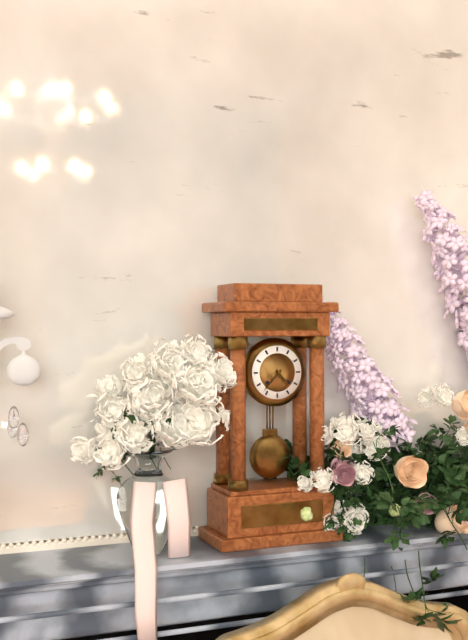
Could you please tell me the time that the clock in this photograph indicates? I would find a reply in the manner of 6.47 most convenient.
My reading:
4.37
